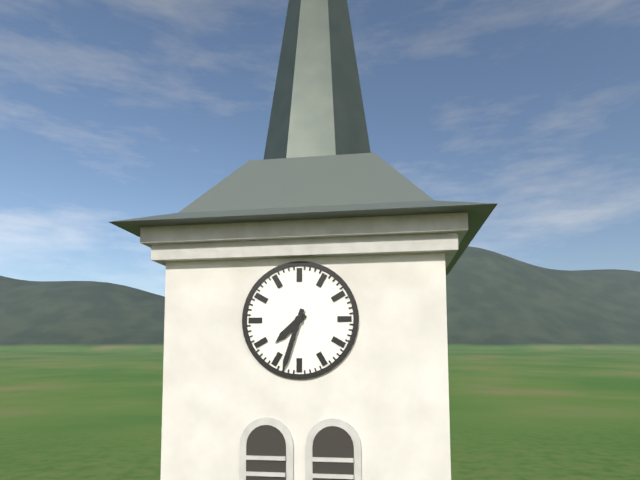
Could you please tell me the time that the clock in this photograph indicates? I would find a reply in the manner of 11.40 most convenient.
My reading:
7.33
